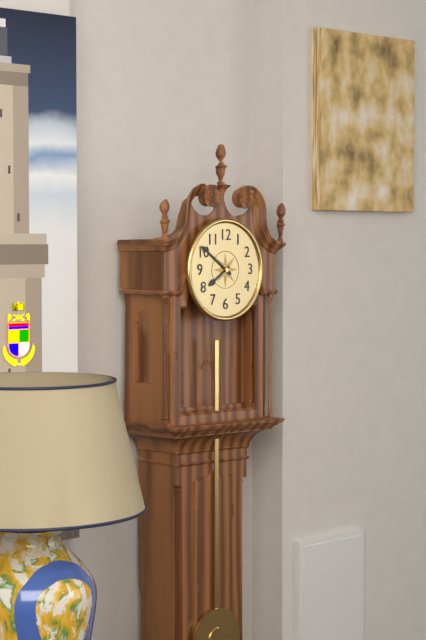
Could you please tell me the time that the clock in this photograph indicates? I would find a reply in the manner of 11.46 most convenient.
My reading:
7.51
